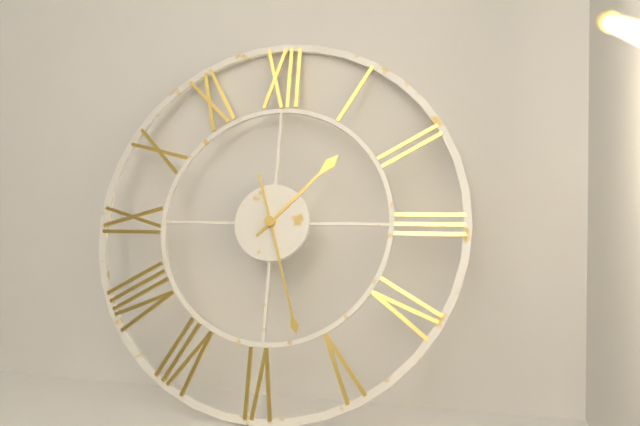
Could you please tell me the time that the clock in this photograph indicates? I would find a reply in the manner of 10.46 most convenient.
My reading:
1.27
